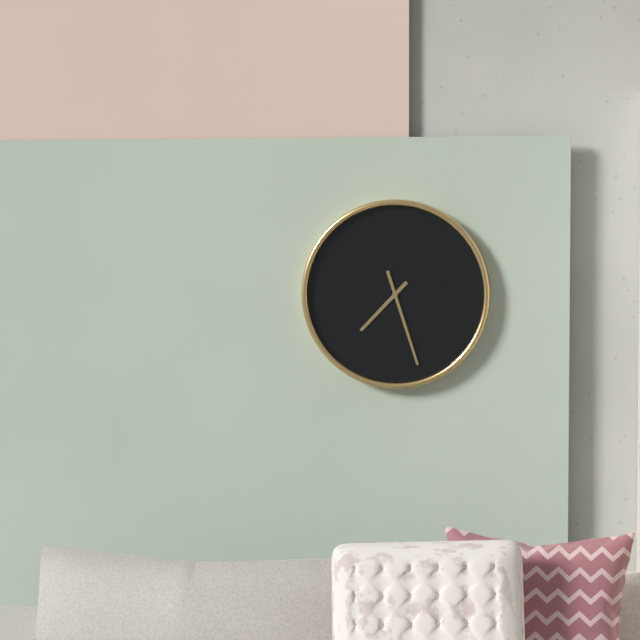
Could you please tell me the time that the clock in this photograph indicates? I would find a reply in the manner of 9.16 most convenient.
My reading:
7.27
